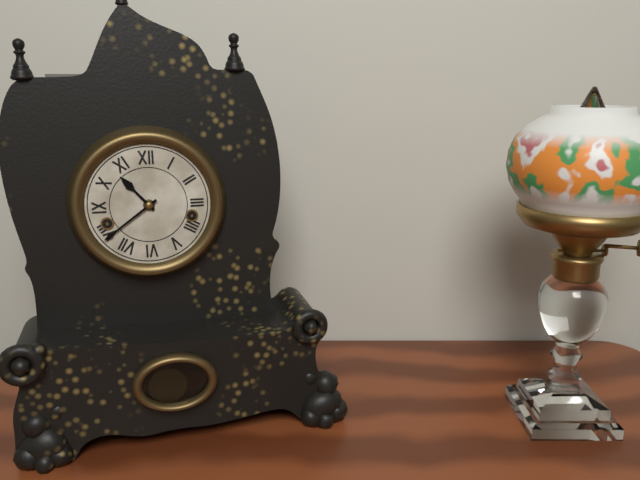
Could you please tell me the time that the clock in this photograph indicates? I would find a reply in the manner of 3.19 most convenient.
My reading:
10.39
